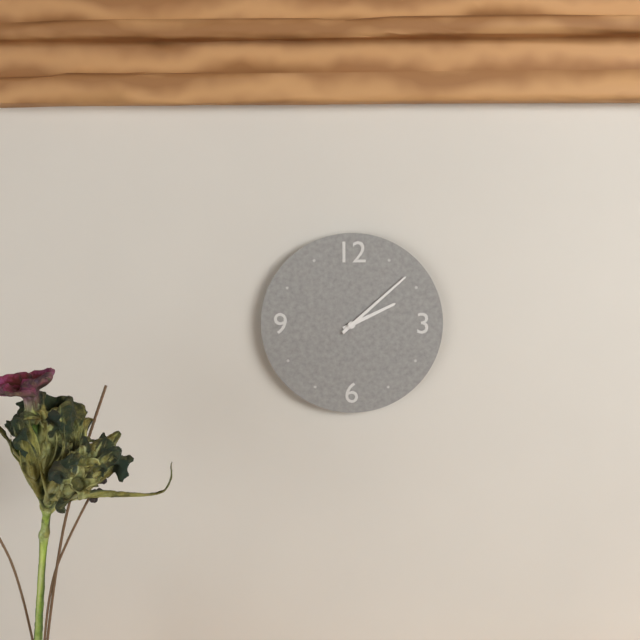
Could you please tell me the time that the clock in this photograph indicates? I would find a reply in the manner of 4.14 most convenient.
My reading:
2.08
